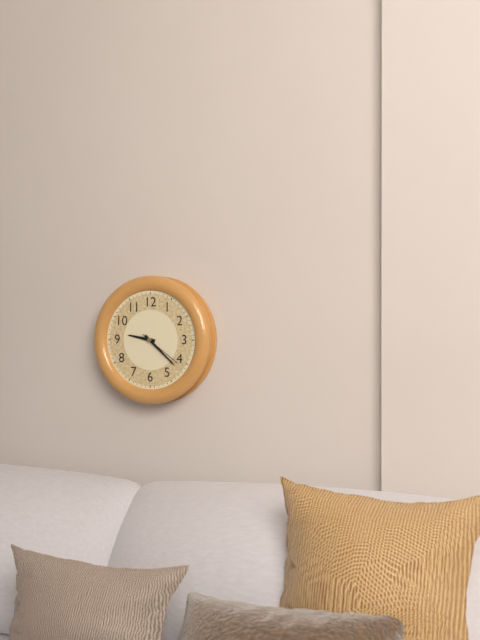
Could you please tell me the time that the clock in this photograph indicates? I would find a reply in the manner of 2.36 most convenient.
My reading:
9.22
